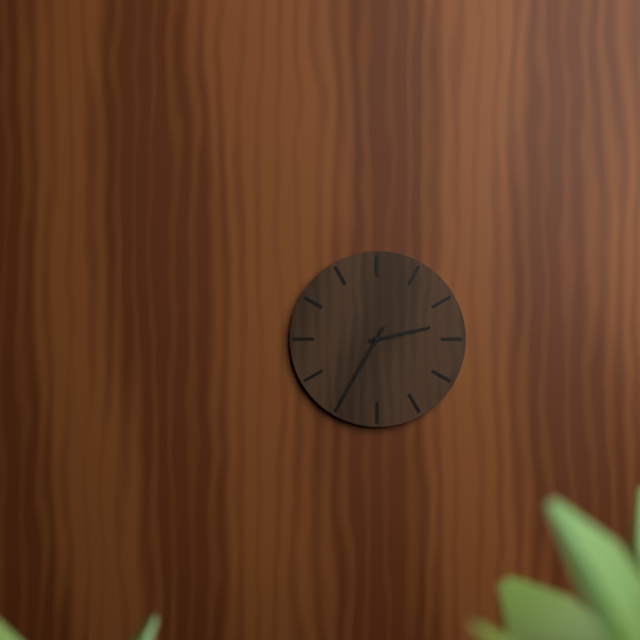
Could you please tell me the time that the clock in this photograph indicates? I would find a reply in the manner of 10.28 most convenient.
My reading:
2.35
